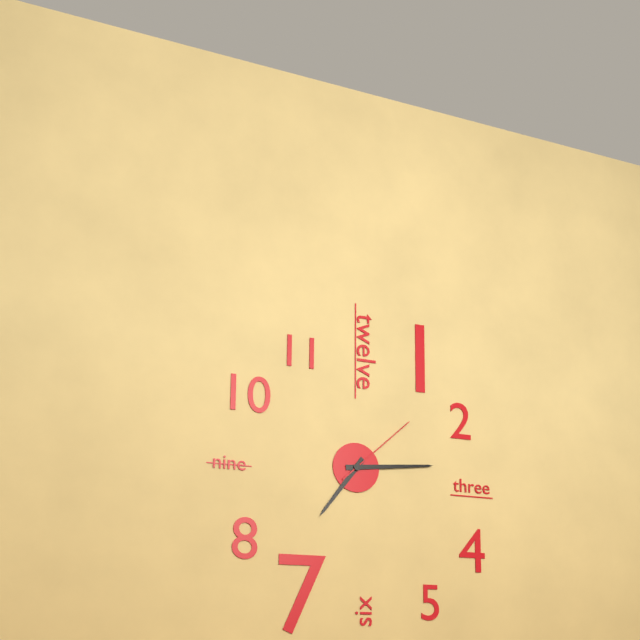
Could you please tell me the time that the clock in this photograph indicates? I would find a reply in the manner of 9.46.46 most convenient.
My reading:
7.14.08
